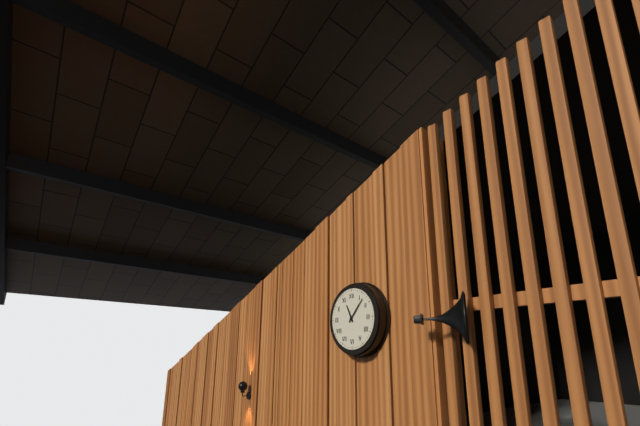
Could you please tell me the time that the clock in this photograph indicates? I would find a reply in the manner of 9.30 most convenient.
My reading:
11.07
